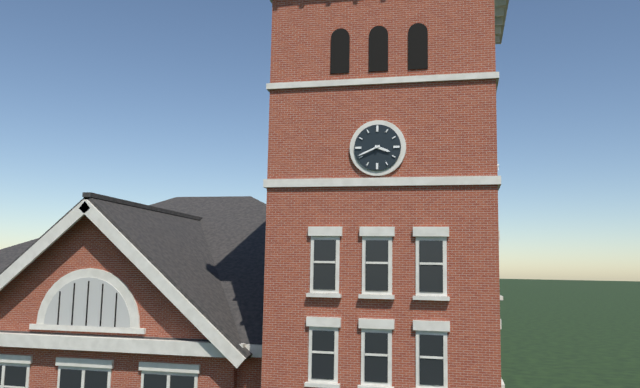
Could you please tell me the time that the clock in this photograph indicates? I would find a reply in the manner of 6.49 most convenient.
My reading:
3.41
